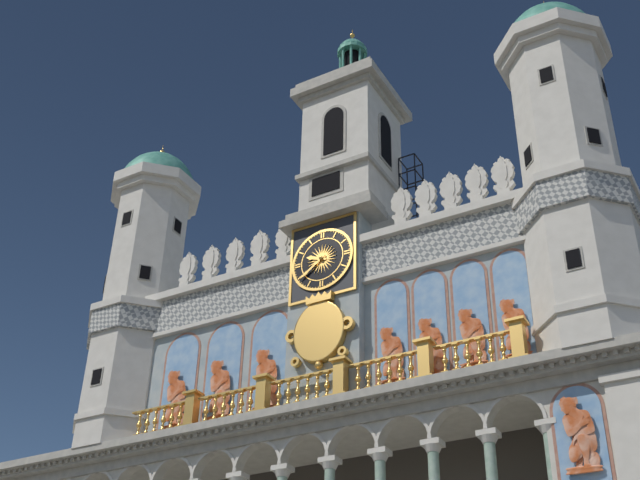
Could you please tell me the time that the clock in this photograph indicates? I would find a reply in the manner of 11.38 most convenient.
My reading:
9.39
